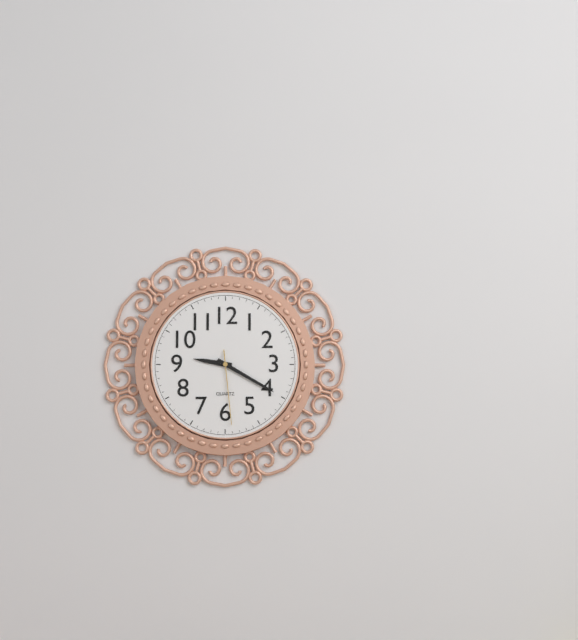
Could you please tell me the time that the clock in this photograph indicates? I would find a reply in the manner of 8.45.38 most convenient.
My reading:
9.20.29
